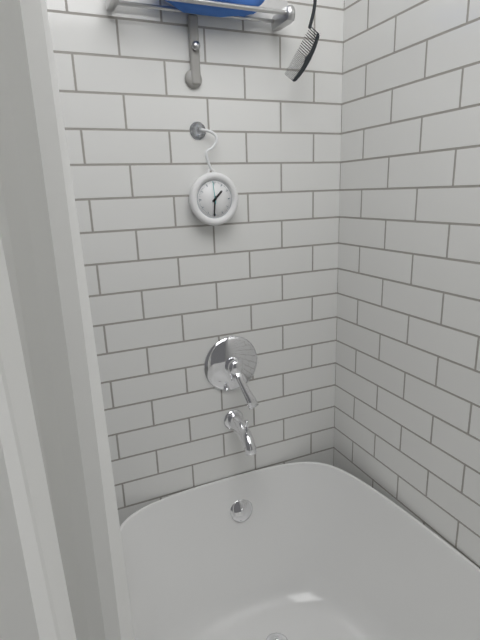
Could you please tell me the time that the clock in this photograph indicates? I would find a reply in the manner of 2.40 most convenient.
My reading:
1.31
